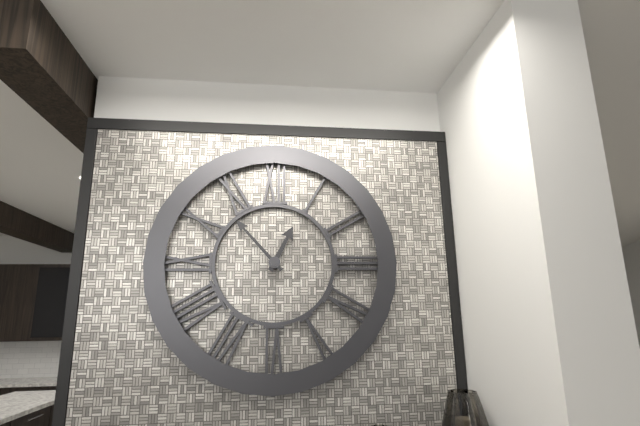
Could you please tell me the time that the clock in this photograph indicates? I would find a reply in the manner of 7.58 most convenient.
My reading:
12.53
